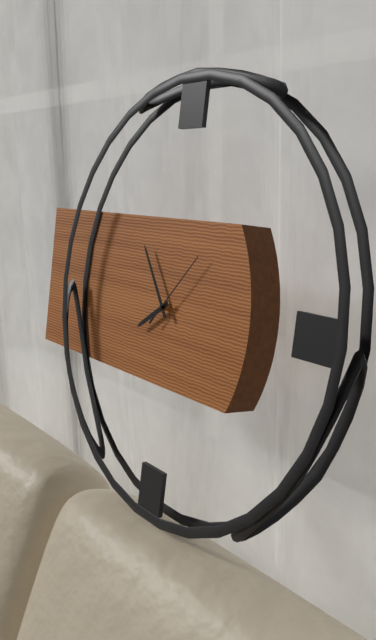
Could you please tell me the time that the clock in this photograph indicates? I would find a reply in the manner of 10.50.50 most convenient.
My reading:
7.54.07
